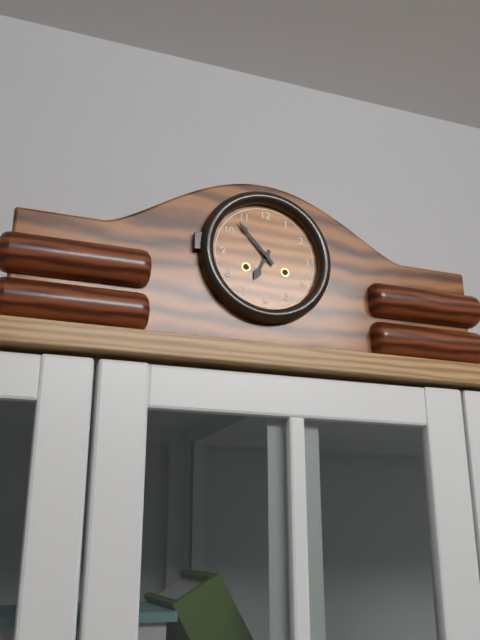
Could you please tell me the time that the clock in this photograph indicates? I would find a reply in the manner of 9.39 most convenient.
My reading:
6.53
